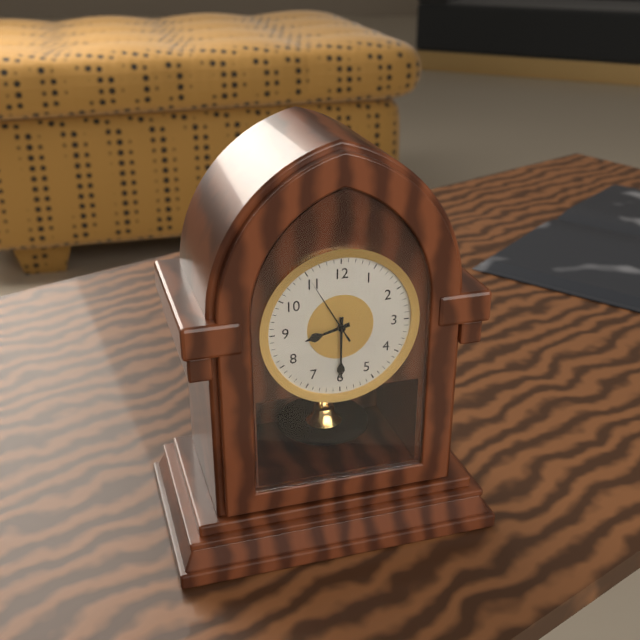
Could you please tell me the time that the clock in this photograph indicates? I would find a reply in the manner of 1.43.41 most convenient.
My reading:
8.30.55
